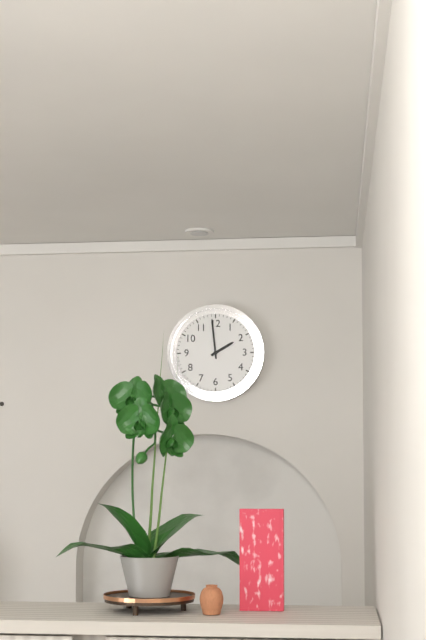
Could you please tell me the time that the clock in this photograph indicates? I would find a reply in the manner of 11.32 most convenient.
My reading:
1.59
